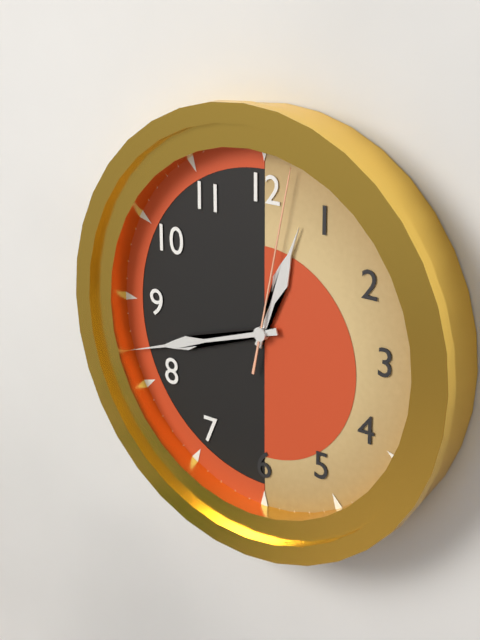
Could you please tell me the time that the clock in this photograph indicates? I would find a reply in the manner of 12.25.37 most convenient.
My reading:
12.42.02
